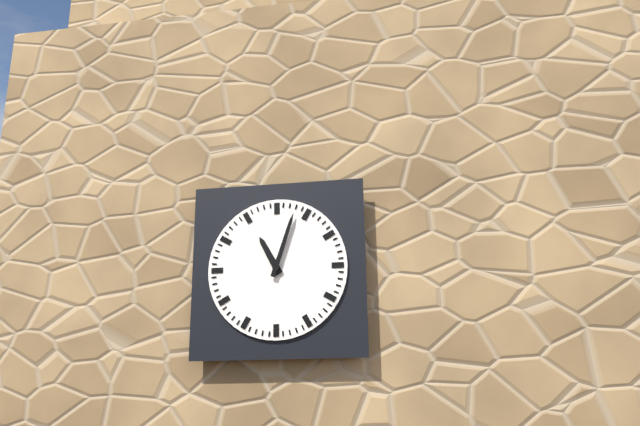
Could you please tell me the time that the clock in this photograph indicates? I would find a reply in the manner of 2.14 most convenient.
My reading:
11.03
